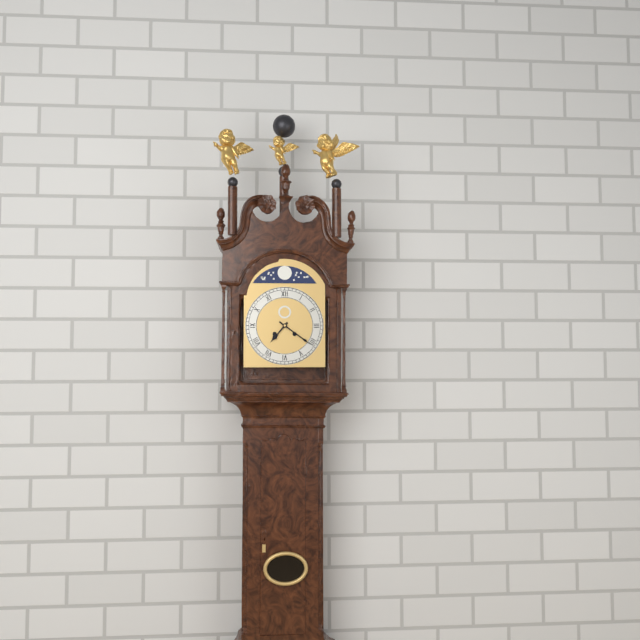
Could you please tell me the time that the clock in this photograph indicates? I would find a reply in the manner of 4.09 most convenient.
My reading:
7.21
